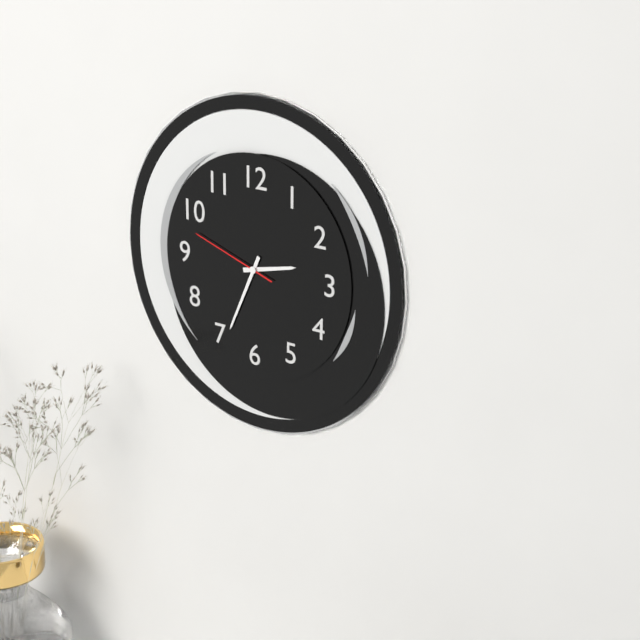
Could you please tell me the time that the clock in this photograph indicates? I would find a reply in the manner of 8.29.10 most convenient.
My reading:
2.34.48
